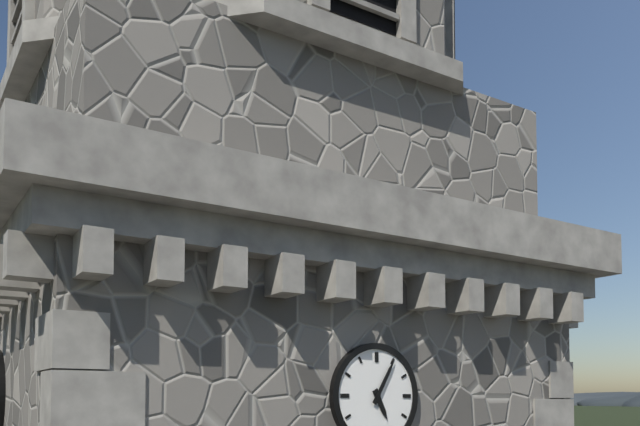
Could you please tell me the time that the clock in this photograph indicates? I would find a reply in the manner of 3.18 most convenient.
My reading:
5.05
